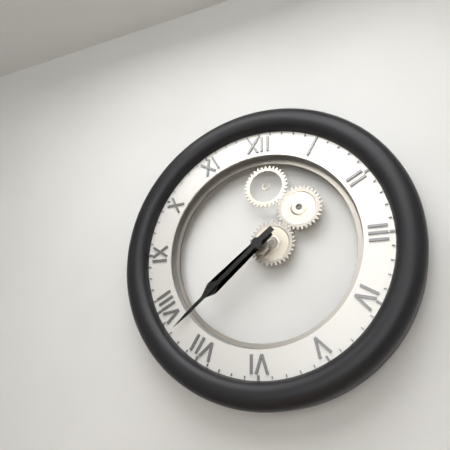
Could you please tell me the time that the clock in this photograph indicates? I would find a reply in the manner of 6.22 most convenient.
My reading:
7.38
